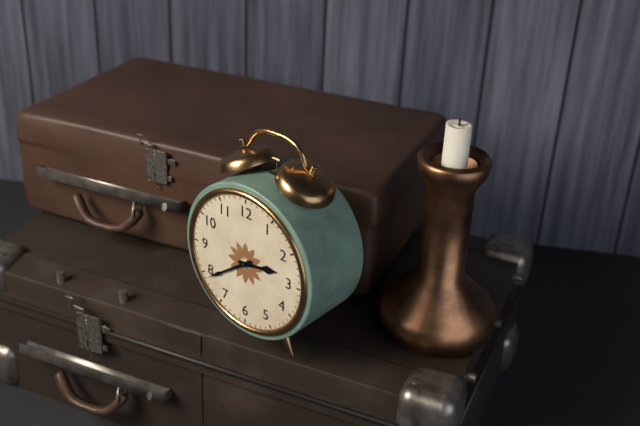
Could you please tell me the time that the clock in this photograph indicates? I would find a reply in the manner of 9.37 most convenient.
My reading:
2.39
